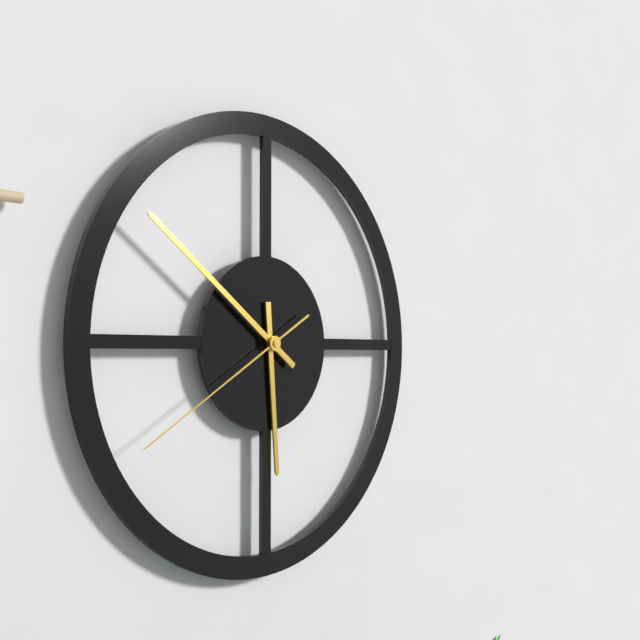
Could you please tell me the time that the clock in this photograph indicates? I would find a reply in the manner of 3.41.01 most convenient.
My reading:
5.51.40
